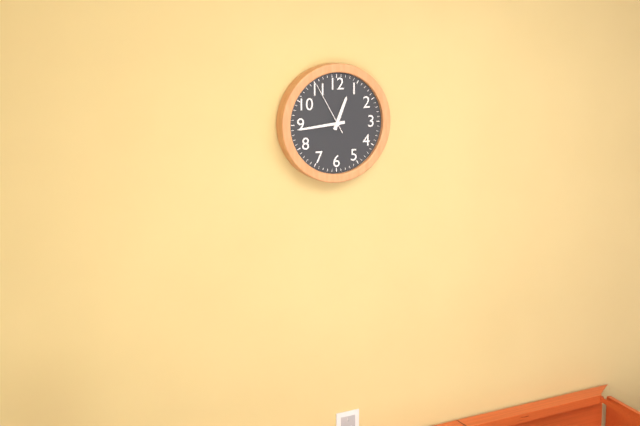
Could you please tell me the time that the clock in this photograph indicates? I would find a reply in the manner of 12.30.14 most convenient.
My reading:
12.44.55
